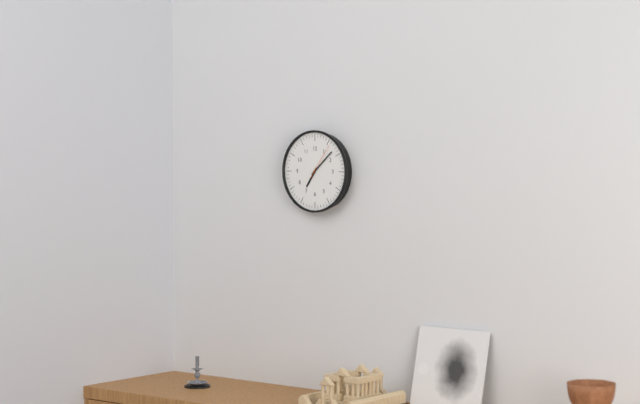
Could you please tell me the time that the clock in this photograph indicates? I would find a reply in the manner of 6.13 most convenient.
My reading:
7.08
